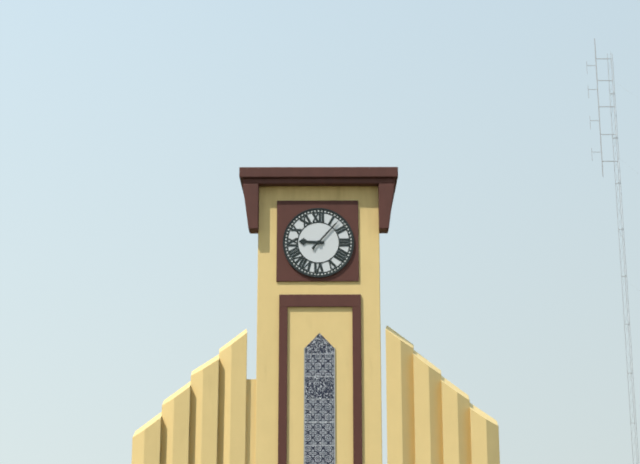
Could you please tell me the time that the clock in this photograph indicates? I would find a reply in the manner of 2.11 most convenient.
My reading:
9.07
